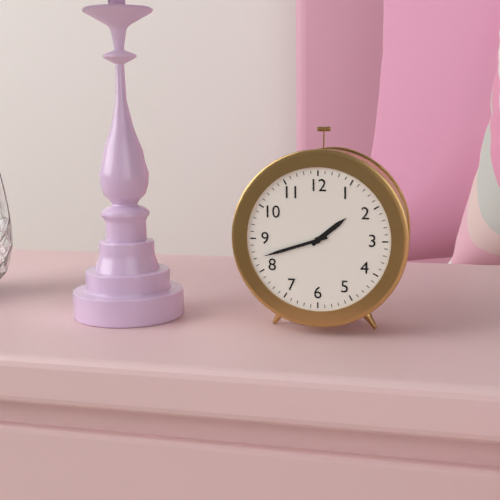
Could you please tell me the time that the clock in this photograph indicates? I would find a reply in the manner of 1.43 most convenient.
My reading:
1.42
